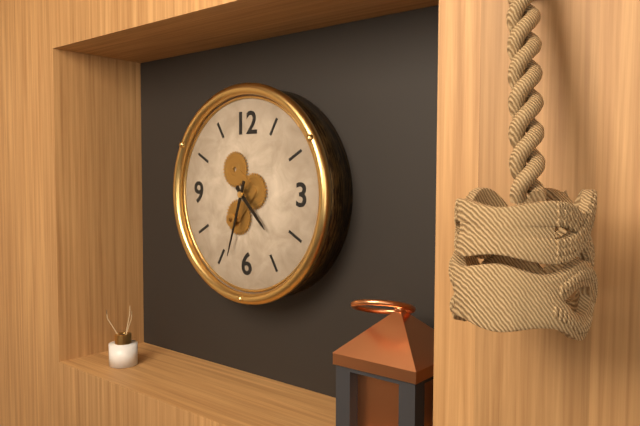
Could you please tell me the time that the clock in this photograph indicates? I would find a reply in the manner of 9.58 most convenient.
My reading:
4.33
